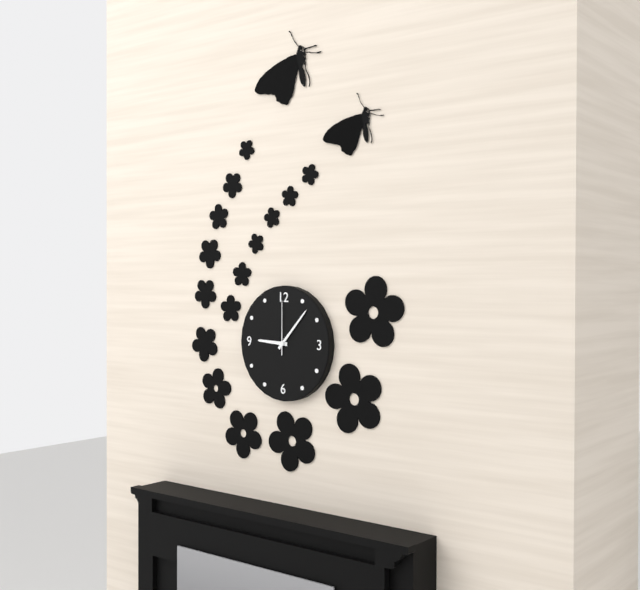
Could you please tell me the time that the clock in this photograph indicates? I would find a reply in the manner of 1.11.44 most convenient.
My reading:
9.07.00
